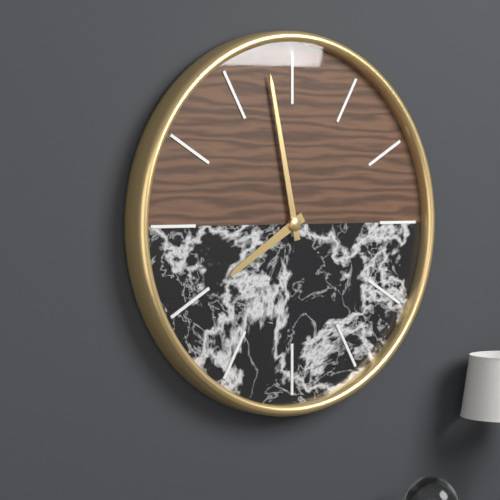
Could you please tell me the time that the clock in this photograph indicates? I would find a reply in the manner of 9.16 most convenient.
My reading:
7.58
